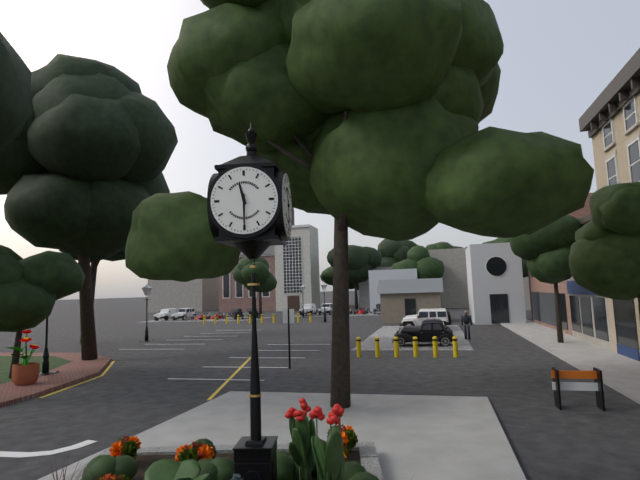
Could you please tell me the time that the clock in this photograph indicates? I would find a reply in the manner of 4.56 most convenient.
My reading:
11.30
